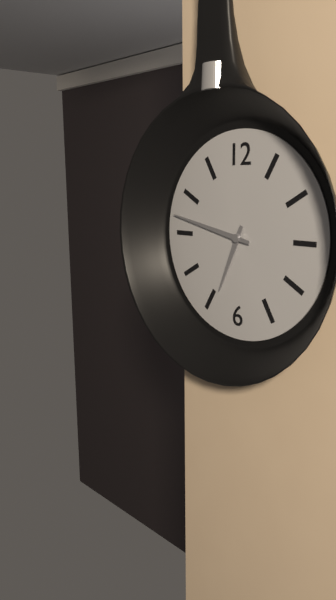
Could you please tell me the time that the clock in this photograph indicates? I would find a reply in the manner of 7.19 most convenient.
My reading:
6.47
